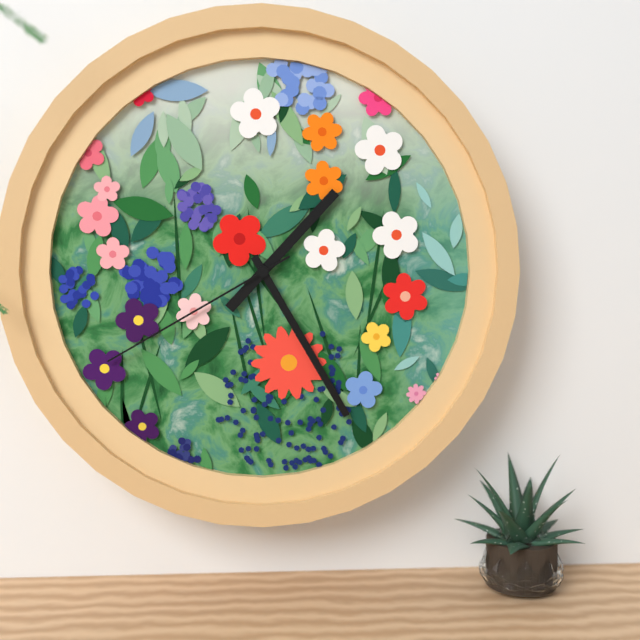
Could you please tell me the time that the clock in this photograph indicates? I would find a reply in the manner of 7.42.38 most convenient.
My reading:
1.25.40
